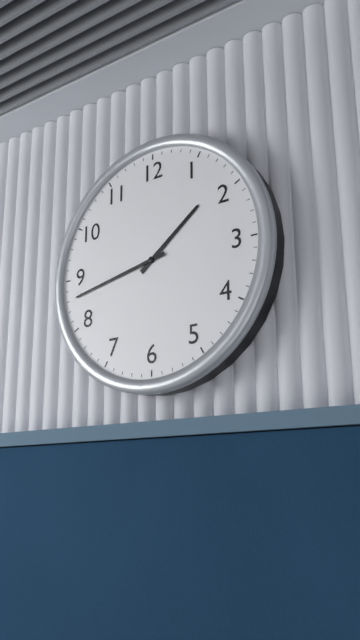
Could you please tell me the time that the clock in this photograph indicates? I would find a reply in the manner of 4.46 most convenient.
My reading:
1.43
